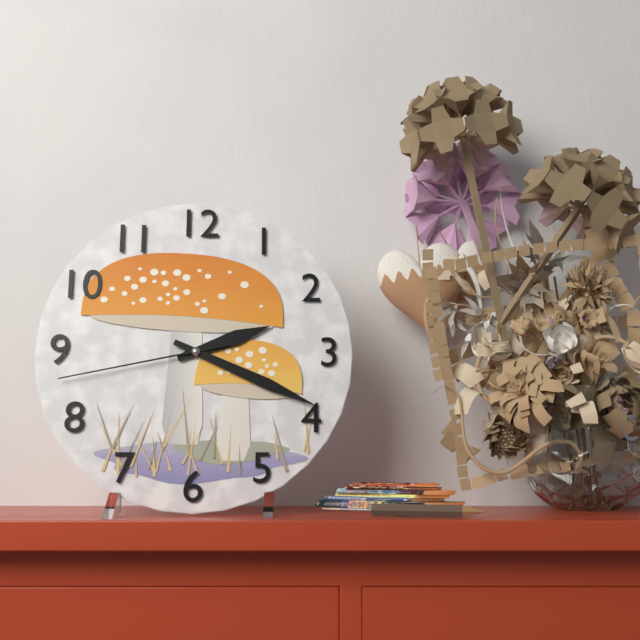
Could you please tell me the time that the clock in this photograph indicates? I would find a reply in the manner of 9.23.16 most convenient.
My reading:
2.19.43
